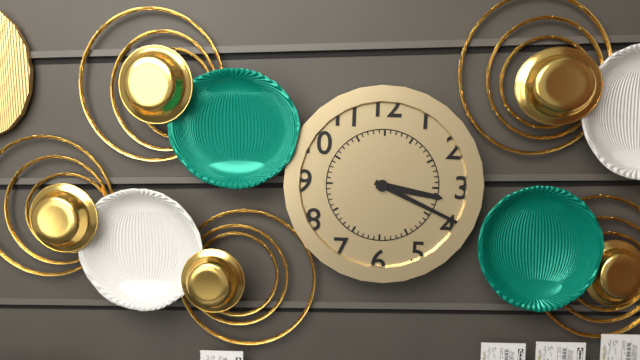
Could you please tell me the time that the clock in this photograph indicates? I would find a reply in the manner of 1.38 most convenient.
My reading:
3.19
